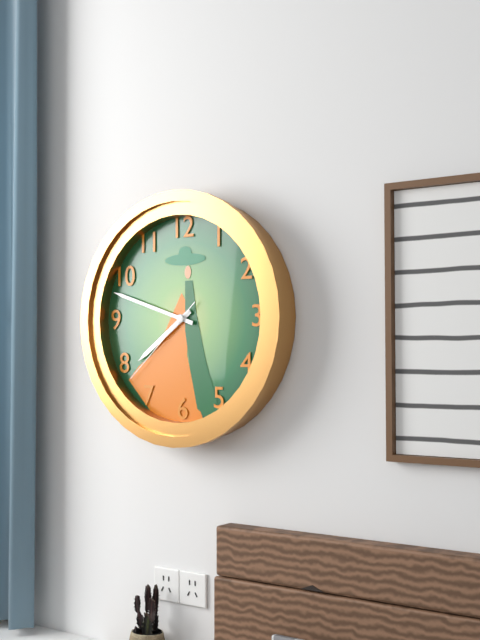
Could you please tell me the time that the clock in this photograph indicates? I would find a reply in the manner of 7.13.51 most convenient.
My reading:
7.48.38
